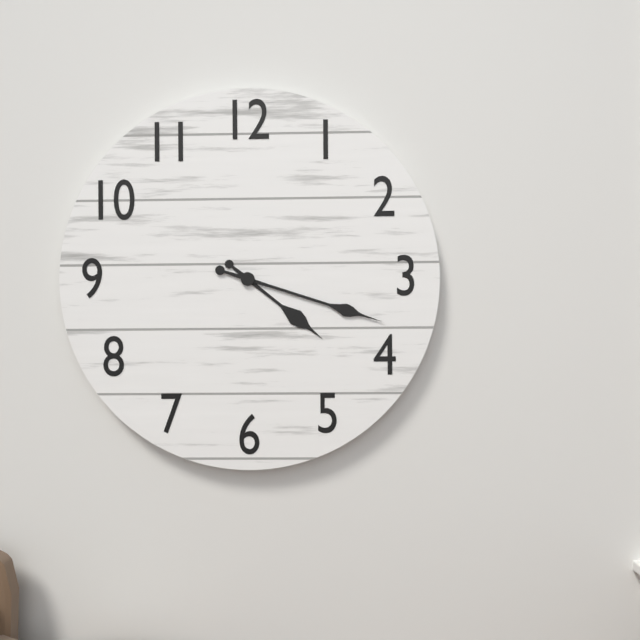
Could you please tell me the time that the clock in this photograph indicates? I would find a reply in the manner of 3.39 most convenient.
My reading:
4.18
